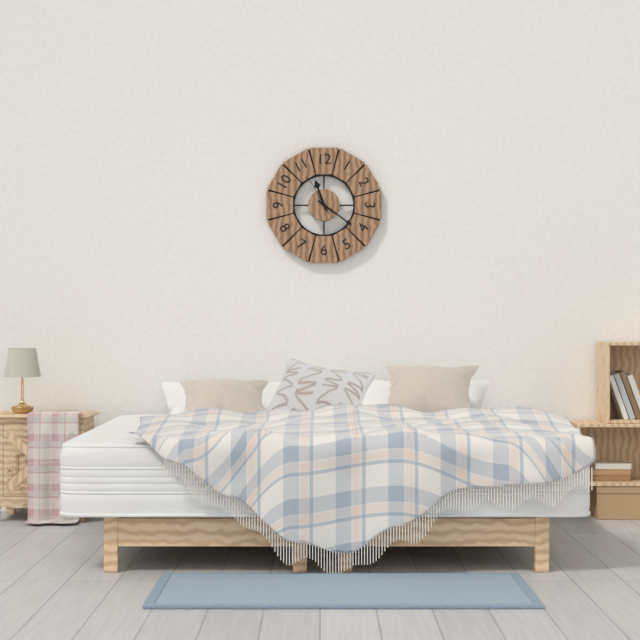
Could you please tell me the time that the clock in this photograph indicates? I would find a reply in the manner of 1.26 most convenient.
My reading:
11.21
